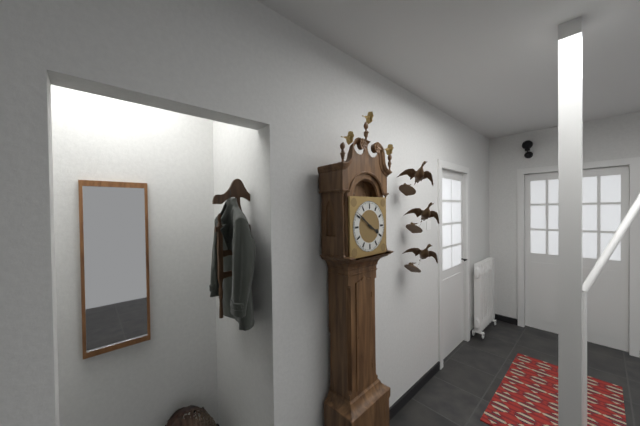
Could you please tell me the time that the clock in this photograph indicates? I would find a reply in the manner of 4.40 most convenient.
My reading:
3.51
